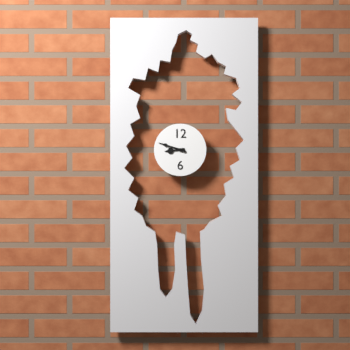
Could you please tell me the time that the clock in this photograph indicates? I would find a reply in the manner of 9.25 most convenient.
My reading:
8.48
